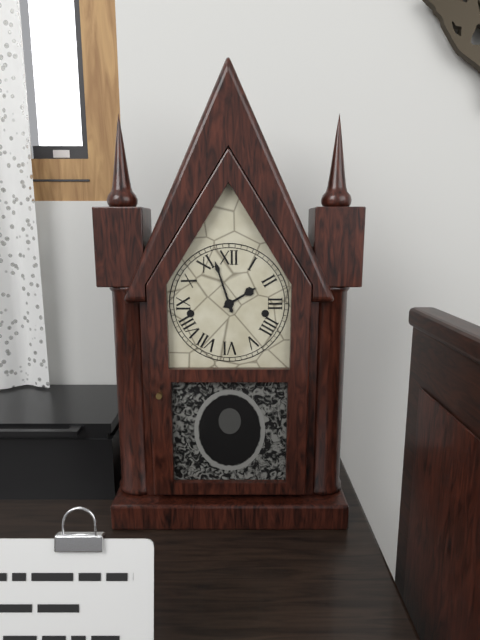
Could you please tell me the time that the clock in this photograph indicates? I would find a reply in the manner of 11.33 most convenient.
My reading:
1.57
